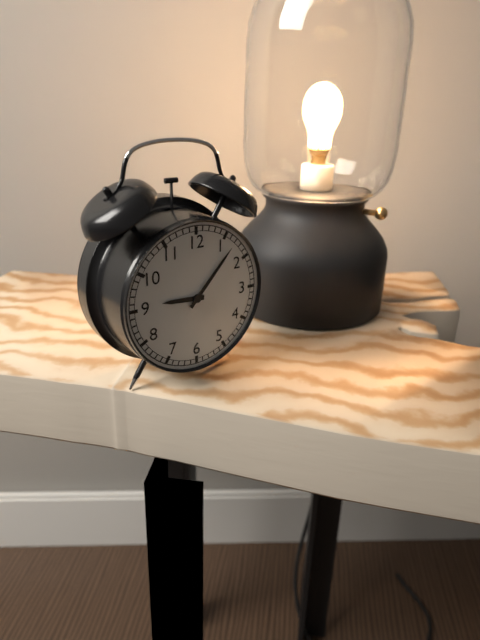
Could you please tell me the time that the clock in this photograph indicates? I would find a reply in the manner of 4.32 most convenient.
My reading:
9.07
